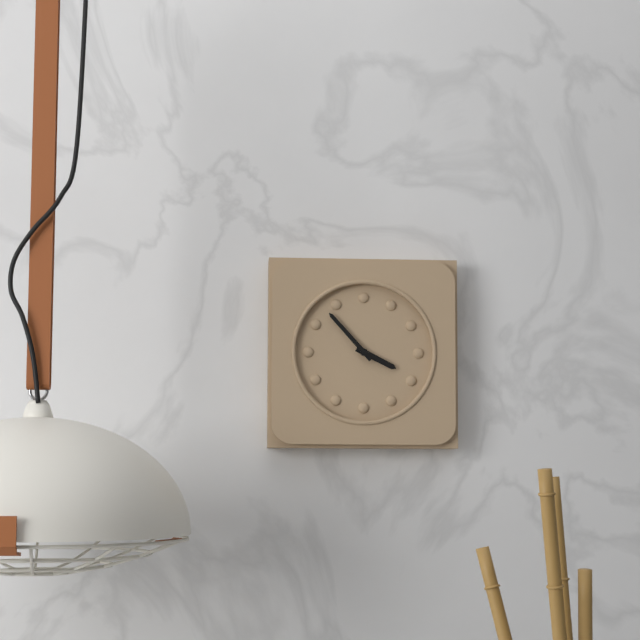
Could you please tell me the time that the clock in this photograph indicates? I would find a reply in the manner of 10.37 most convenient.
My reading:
3.53
